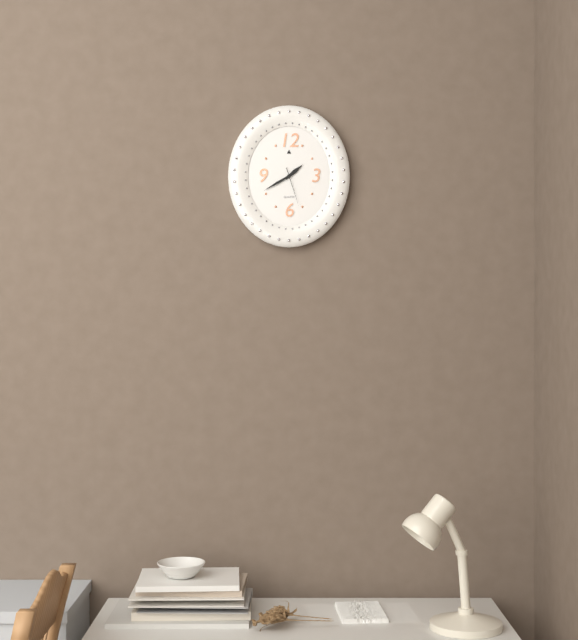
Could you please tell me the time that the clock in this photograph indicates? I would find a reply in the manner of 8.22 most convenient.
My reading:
1.40
